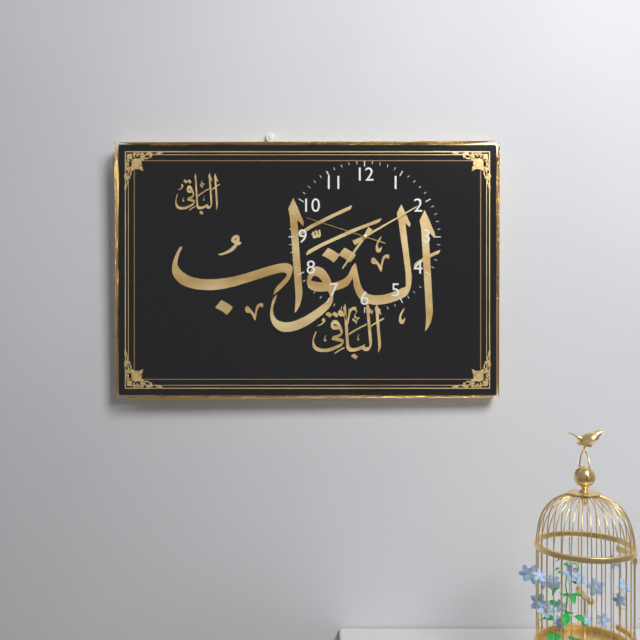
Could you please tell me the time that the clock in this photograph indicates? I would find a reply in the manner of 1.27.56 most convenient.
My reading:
7.10.48
